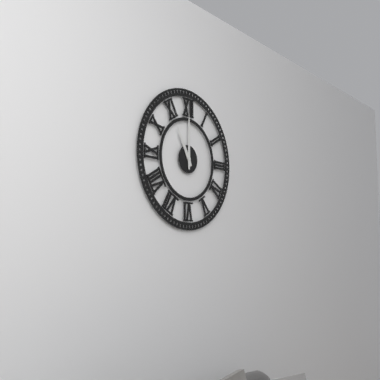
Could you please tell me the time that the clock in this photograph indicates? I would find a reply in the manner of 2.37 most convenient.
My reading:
11.00
